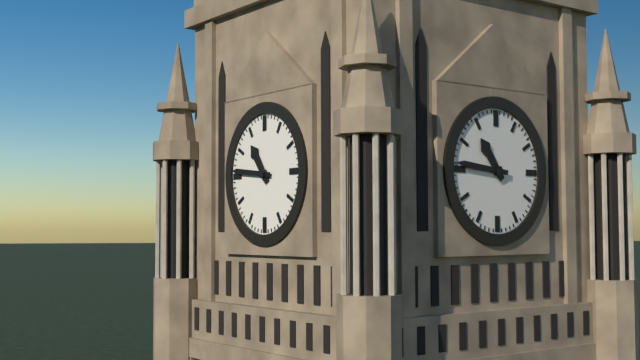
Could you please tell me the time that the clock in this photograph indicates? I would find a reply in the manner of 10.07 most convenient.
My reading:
10.46
